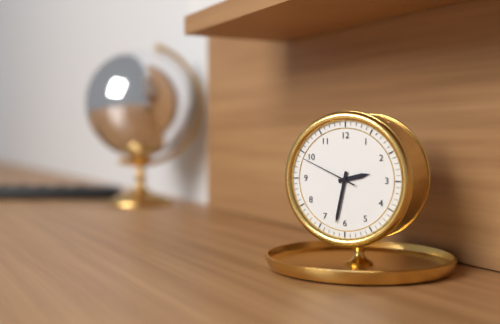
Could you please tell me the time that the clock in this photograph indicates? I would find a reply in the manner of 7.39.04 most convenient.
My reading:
2.32.49
